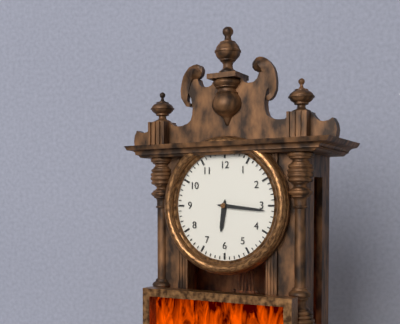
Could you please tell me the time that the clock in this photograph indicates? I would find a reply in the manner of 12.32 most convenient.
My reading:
6.16
